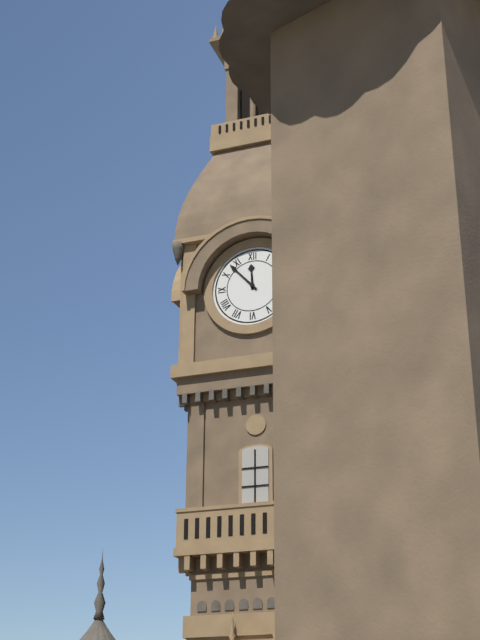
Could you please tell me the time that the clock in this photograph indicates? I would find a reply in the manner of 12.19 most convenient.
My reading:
11.53
